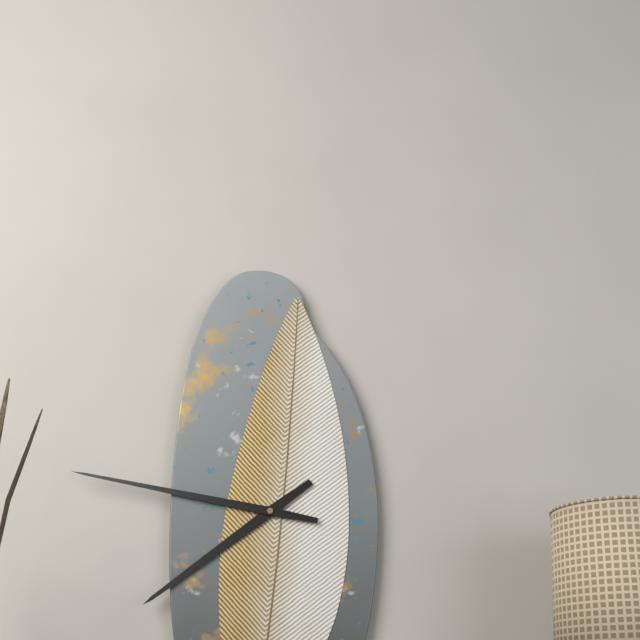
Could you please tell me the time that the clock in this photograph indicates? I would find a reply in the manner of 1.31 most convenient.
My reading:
7.47
